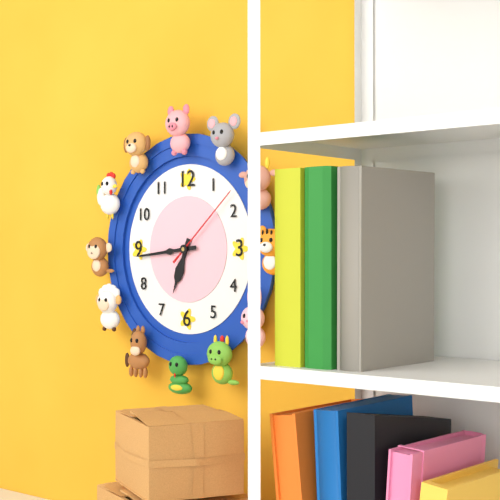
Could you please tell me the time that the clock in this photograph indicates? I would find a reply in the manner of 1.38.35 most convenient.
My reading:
6.44.08
